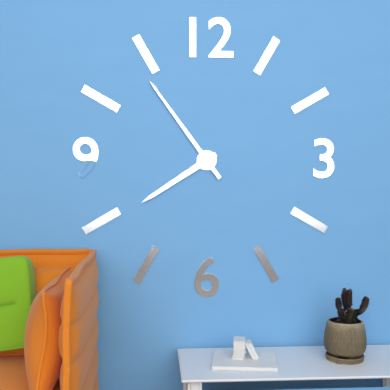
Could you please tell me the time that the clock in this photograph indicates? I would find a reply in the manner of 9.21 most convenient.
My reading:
7.54
